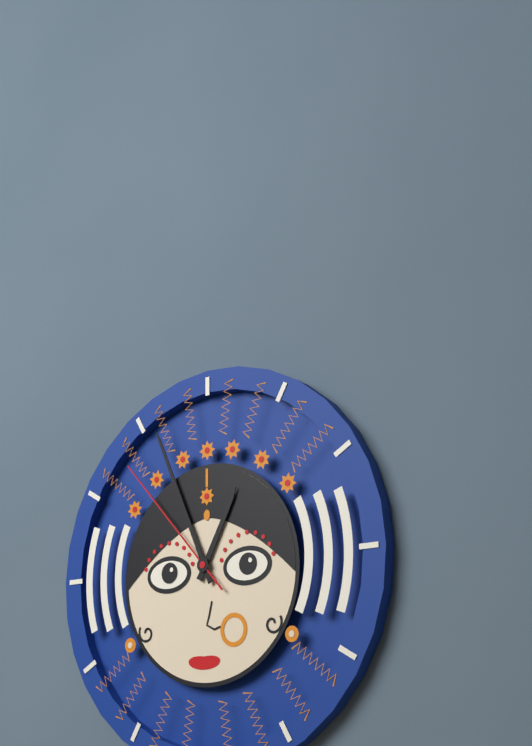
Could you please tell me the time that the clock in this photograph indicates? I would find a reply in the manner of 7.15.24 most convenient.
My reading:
12.56.53
